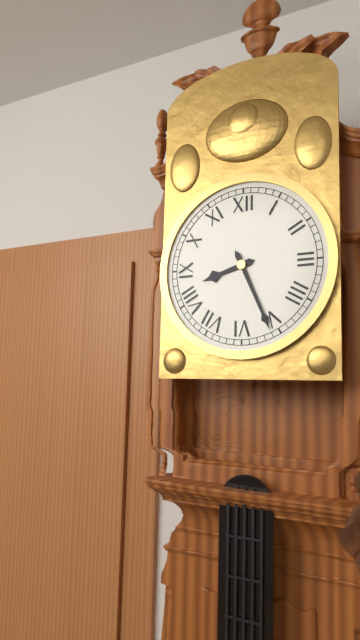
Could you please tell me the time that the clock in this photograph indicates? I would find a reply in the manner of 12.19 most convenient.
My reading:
8.26
